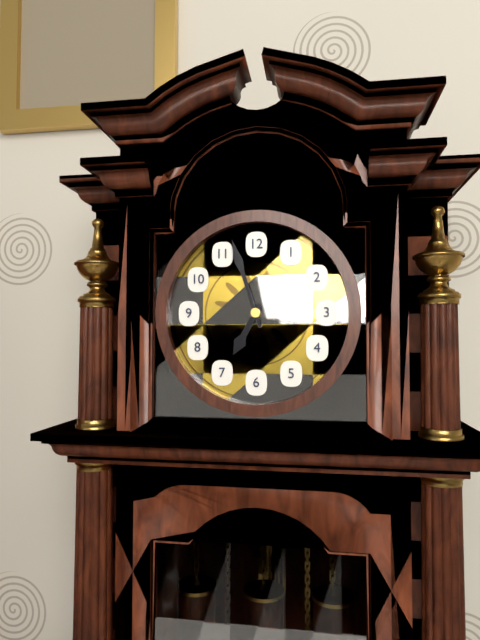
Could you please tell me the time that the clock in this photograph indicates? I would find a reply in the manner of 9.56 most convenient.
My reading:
6.57
